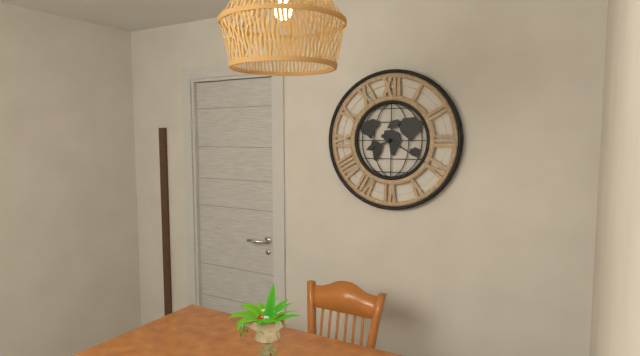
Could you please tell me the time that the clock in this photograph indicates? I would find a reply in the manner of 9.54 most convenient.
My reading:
8.20
